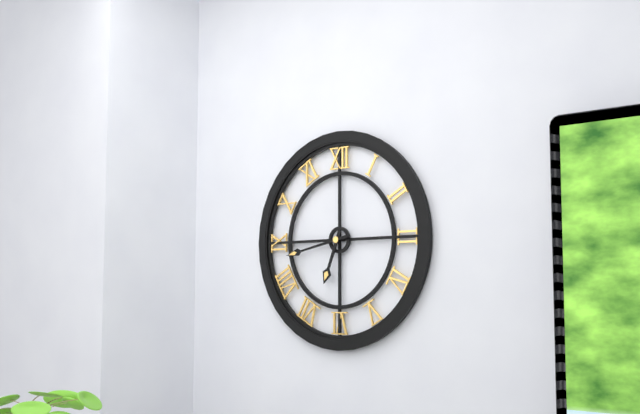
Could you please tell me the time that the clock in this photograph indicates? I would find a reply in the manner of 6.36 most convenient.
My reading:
6.43
